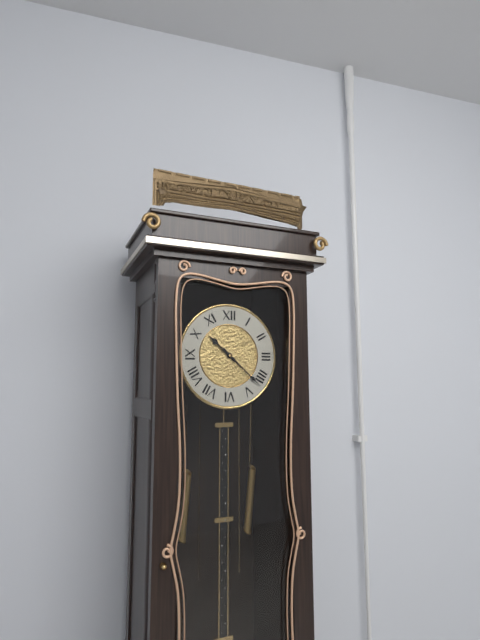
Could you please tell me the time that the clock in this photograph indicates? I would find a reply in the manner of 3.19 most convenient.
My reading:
10.22
